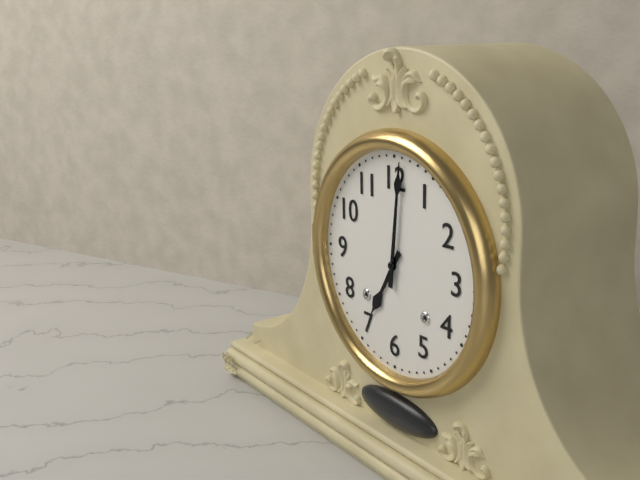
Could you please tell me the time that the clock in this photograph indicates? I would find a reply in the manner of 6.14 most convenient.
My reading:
7.01
